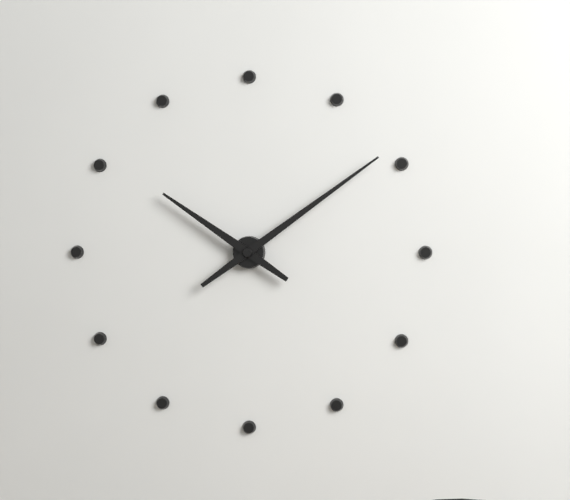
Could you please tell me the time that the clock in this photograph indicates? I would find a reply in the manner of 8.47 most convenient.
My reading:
10.09
